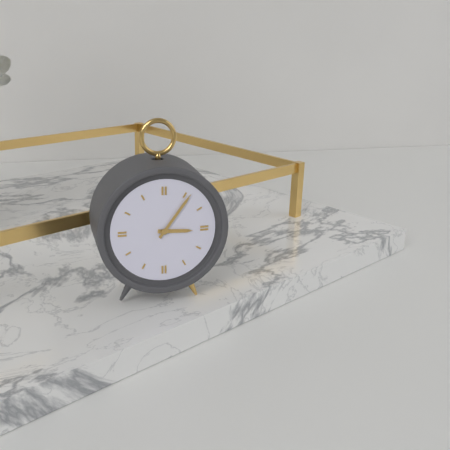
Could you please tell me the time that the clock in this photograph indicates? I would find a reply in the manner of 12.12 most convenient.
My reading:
3.06
